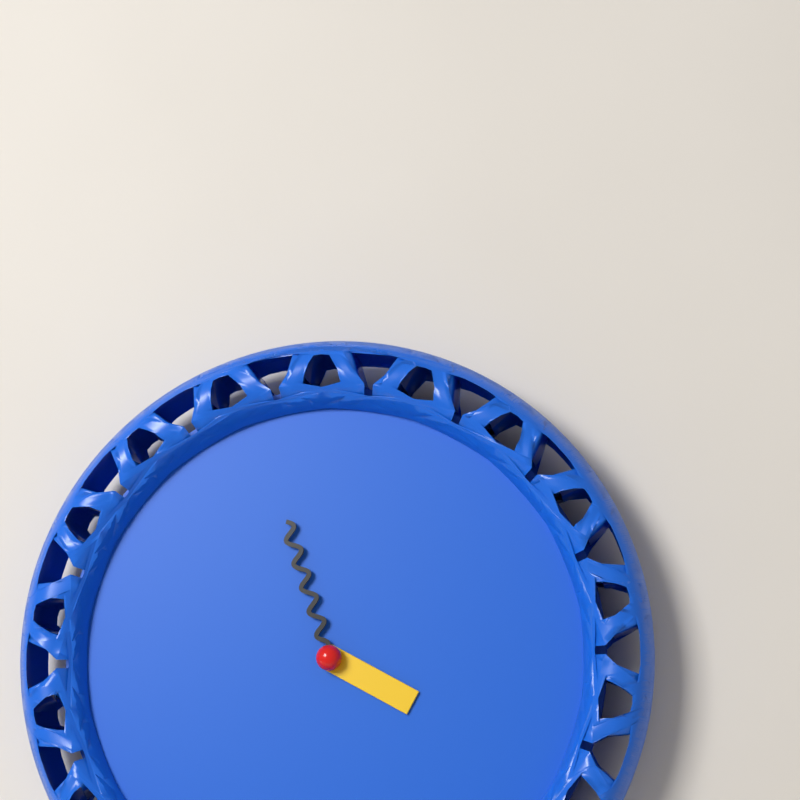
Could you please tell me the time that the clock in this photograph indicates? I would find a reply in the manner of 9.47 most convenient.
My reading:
3.57
